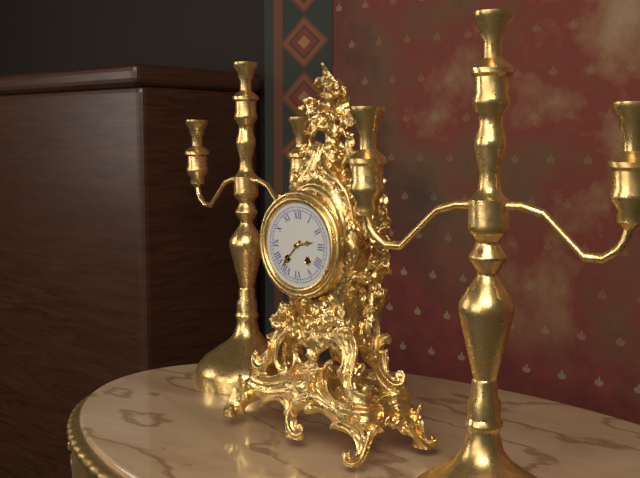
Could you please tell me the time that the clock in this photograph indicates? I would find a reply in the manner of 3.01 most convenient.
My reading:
2.37
